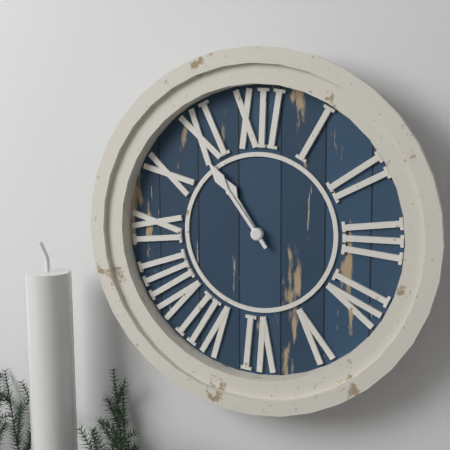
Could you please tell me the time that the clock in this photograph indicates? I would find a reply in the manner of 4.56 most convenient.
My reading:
10.54
